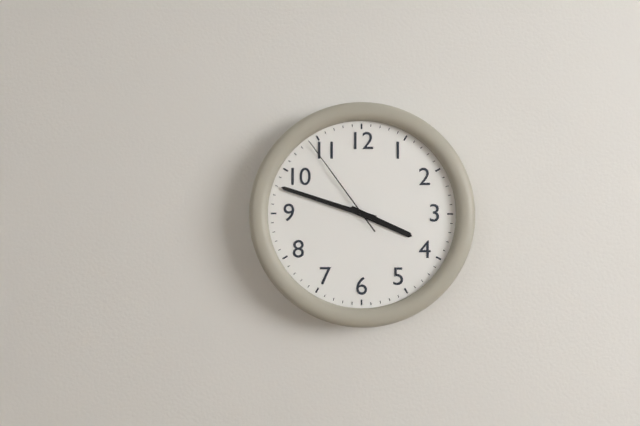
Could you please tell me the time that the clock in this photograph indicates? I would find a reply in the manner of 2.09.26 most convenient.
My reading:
3.48.54
